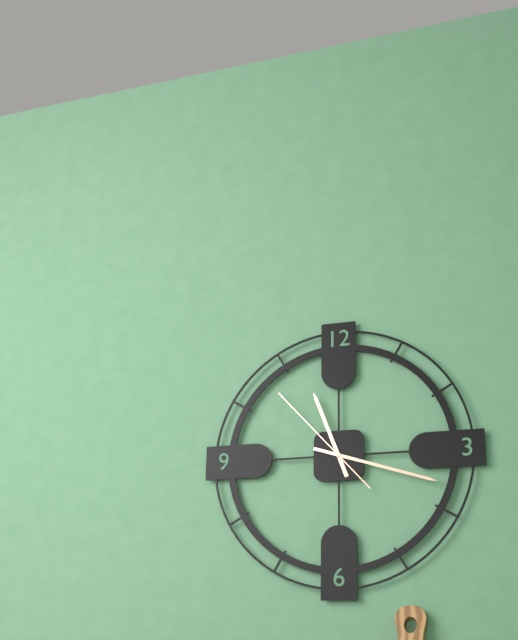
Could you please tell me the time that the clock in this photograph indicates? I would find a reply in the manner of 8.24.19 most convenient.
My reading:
11.18.53
